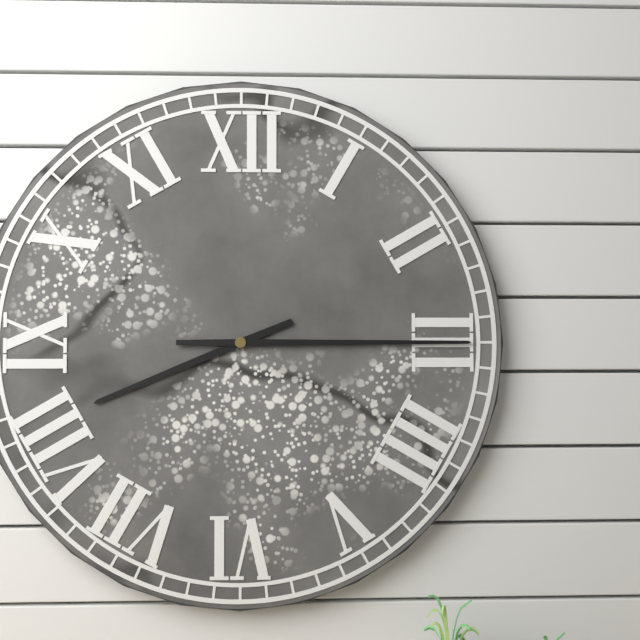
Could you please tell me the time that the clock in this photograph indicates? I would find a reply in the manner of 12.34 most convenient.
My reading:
8.15
